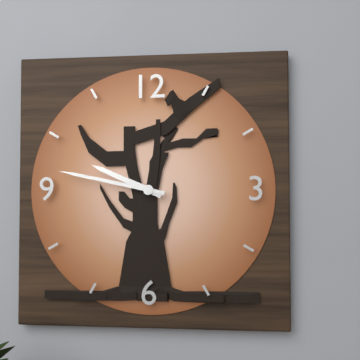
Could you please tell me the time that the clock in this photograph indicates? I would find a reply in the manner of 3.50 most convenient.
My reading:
9.47
